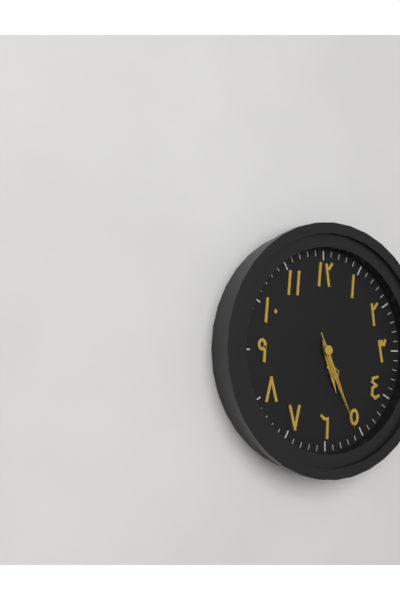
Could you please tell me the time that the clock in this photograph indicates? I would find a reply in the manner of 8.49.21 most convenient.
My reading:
5.26.26
